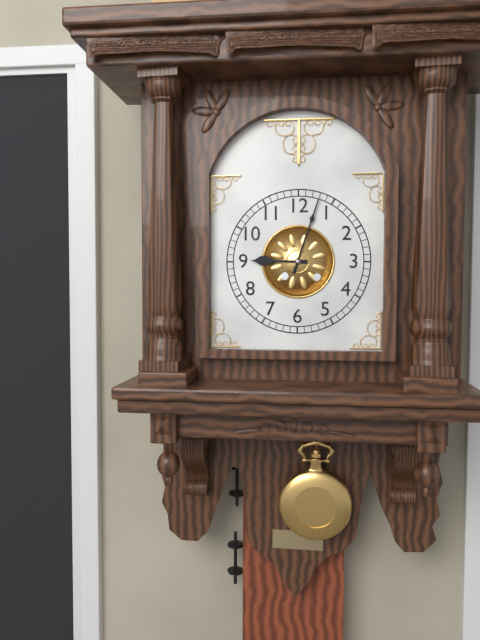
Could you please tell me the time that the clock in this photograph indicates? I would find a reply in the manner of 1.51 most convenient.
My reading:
9.03
